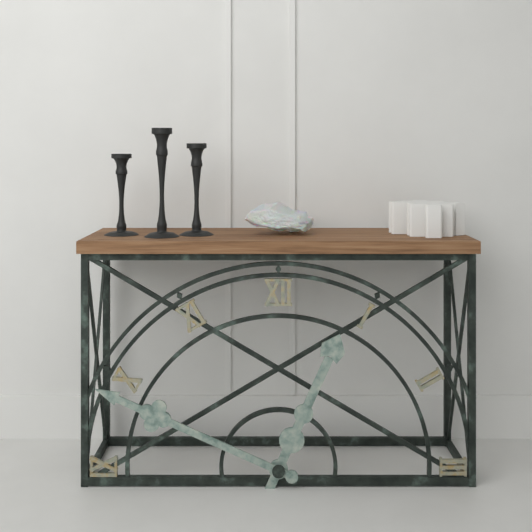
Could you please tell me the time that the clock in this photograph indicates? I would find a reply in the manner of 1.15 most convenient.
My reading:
12.49
